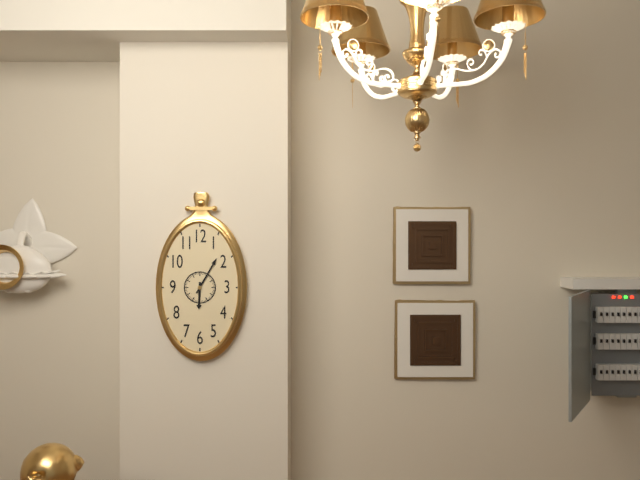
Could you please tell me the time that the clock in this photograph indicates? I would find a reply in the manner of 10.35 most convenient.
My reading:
6.05
